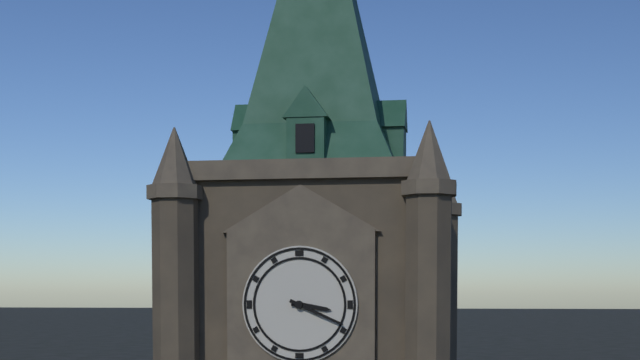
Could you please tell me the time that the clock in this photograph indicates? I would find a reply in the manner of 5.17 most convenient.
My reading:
3.19
